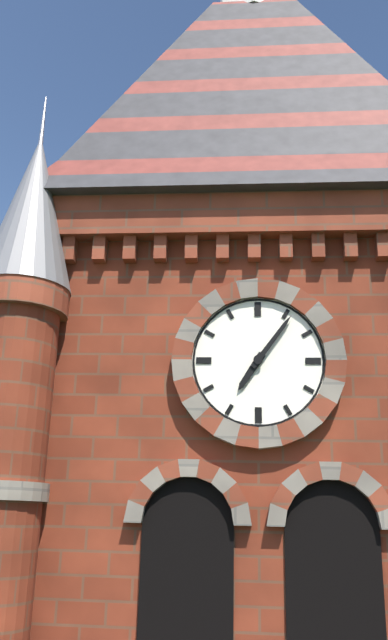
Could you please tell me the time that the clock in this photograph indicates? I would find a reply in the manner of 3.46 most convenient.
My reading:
7.06
